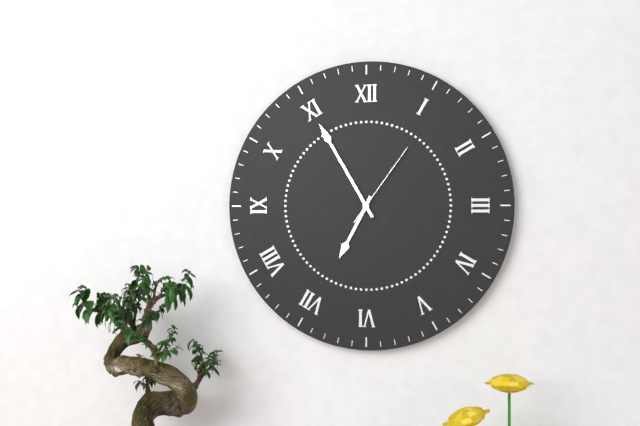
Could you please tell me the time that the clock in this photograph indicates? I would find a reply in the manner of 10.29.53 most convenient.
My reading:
6.55.06
